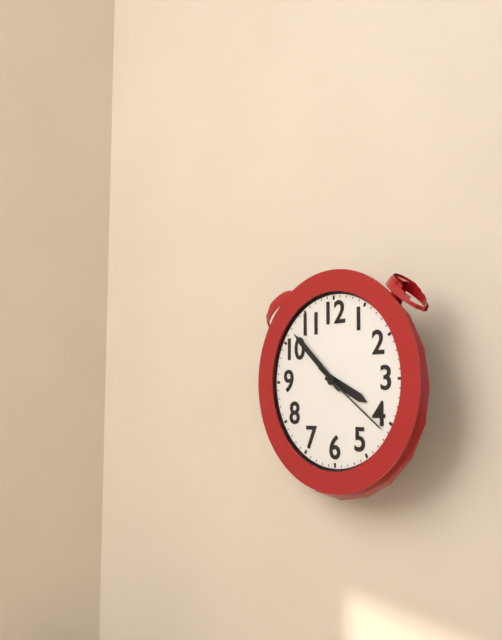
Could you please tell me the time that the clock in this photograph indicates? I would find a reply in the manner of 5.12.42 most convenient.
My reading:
3.52.21
